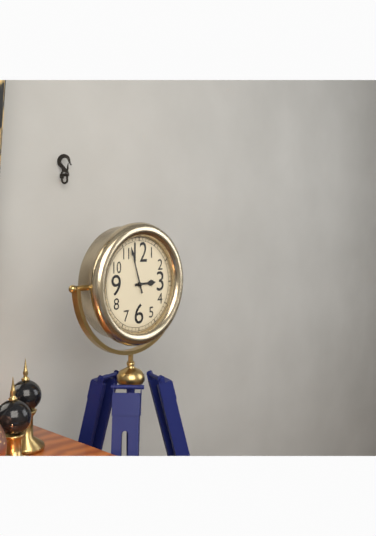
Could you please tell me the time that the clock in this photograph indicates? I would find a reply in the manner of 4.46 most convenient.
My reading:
2.57
